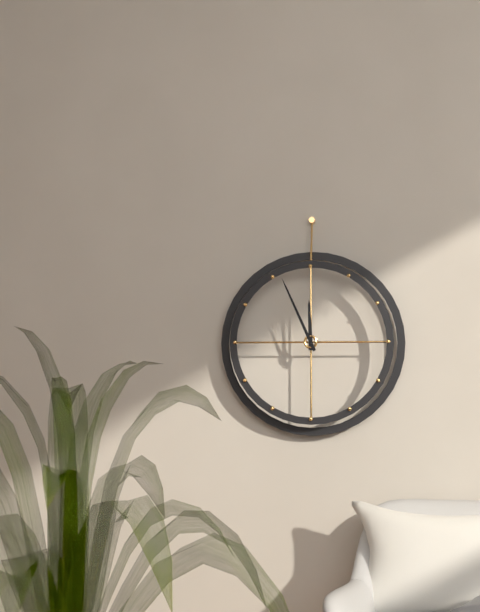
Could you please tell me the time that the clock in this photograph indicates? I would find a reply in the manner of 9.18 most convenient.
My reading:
11.56
